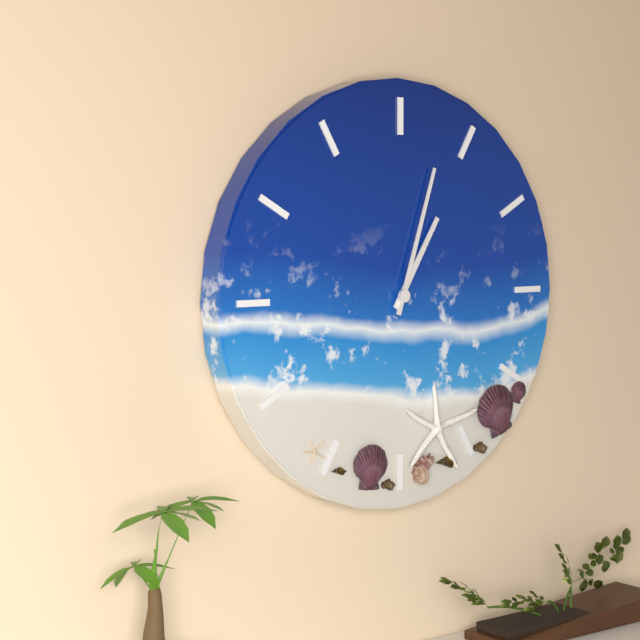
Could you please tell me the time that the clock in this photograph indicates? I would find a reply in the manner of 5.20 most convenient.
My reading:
1.03
